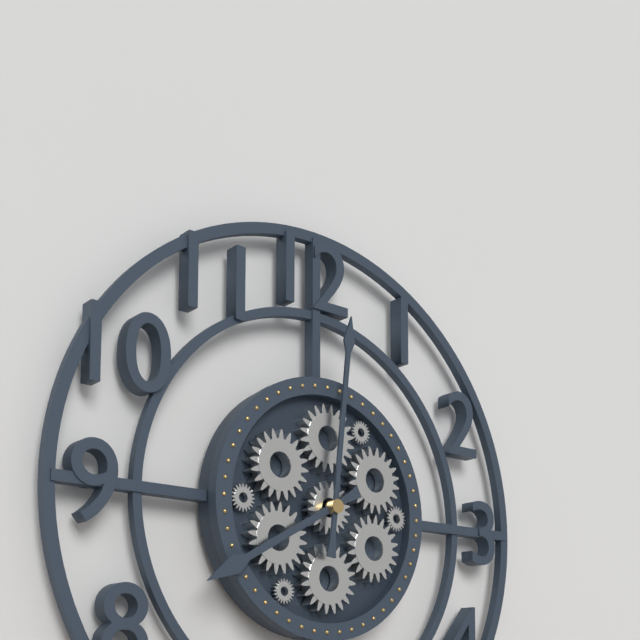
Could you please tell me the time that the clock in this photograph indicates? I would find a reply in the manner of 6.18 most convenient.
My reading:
8.01
